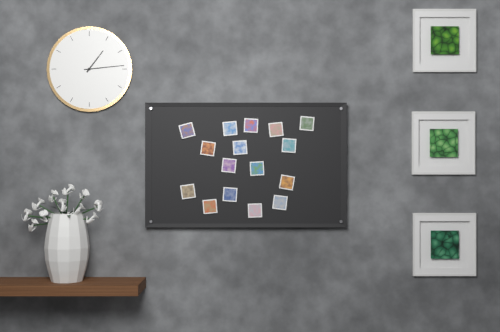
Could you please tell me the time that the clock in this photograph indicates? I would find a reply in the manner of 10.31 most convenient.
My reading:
1.14
